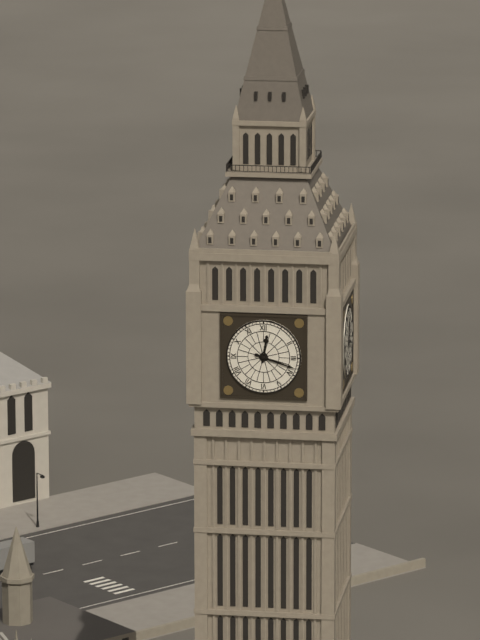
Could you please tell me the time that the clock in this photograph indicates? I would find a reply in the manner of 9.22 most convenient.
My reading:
12.18
